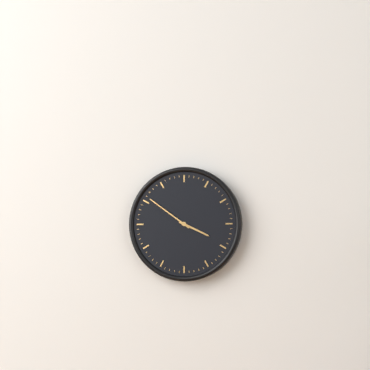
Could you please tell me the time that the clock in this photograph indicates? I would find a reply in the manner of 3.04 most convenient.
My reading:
3.51
